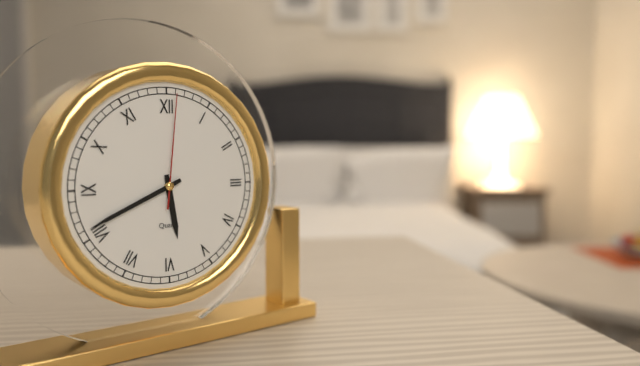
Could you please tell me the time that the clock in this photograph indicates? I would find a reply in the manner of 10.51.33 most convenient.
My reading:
5.41.01
